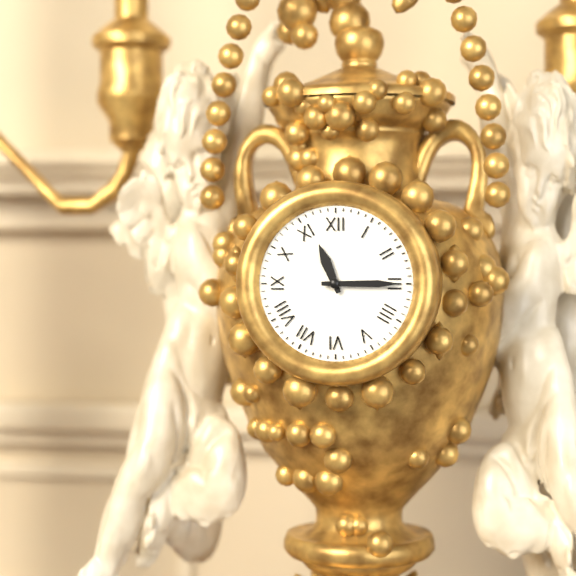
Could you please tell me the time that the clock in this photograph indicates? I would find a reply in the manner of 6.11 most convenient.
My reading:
11.15
